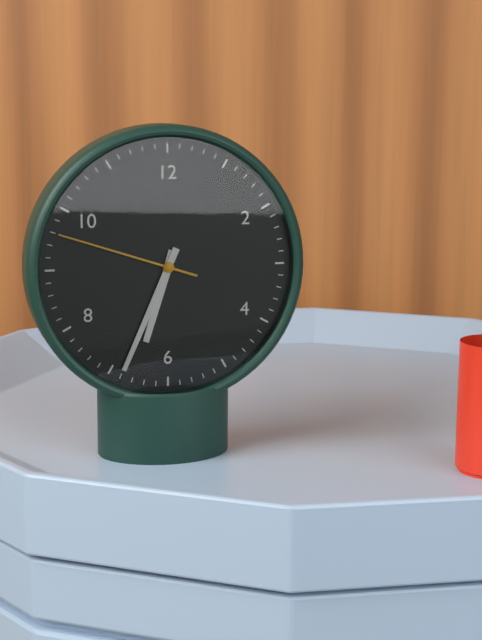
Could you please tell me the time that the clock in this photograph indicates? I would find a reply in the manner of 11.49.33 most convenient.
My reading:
6.34.48
